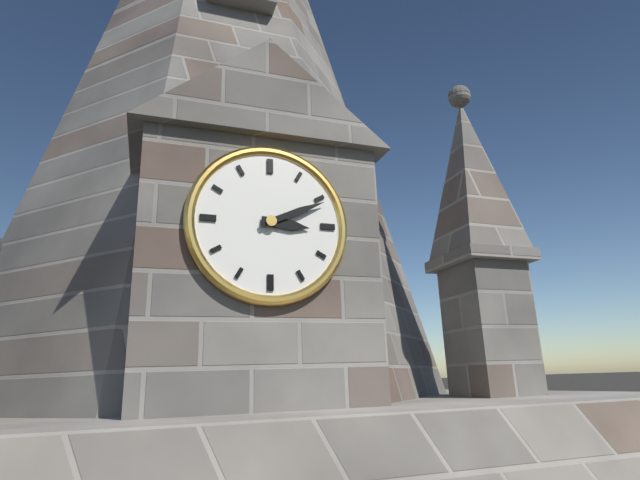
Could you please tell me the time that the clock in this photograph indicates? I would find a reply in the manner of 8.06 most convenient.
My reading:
3.11
